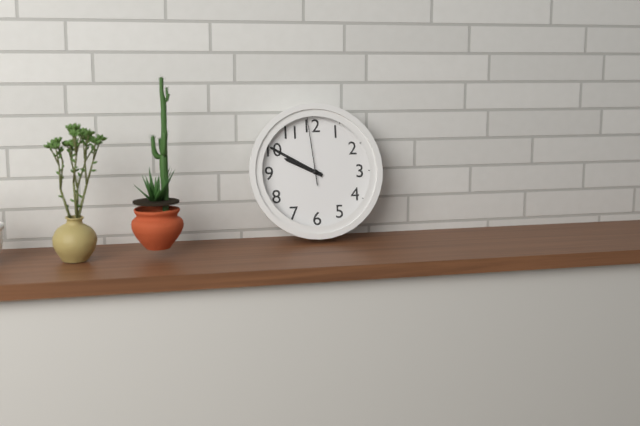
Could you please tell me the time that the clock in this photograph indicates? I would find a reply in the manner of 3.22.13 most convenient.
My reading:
9.50.59
